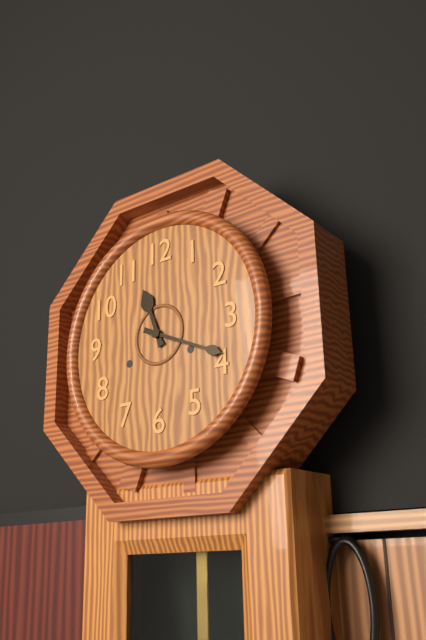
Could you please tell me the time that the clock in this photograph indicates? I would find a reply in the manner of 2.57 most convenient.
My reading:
11.19
